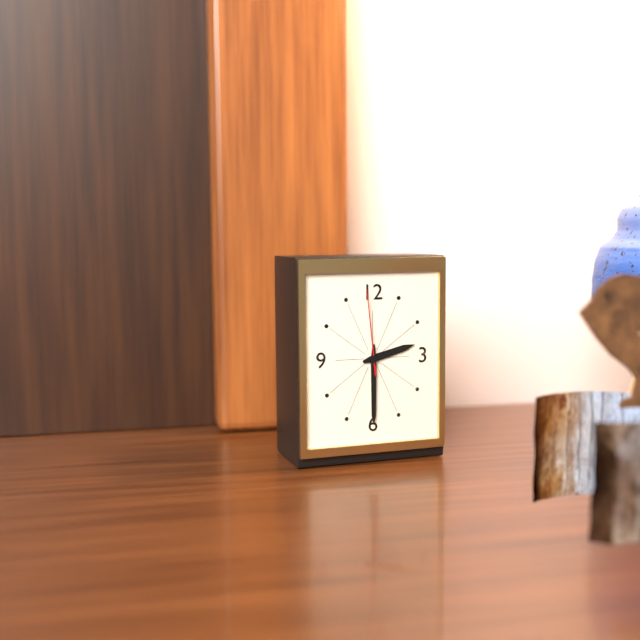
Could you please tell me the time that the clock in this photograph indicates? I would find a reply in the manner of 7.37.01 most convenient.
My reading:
2.30.59
